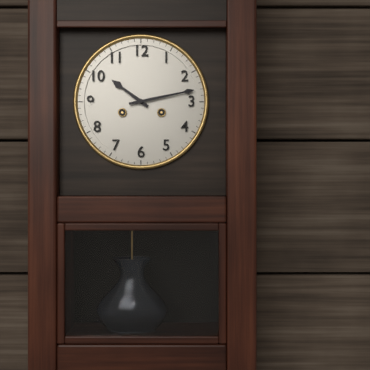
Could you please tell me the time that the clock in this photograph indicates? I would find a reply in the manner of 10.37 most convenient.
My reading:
10.13
